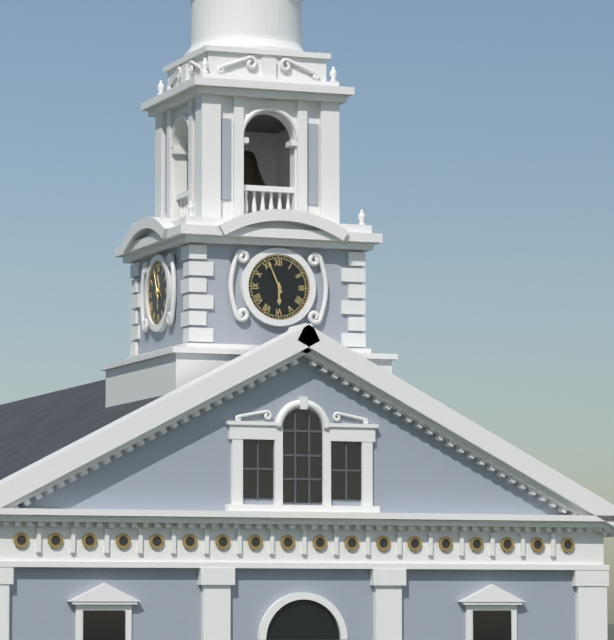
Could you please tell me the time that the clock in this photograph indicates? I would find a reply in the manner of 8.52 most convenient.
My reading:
5.56
